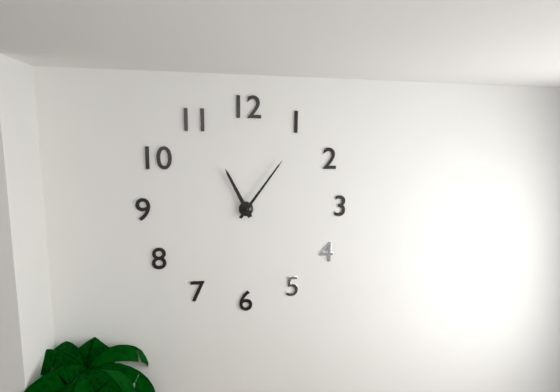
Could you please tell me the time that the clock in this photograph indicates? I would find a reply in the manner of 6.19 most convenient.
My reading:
11.06
